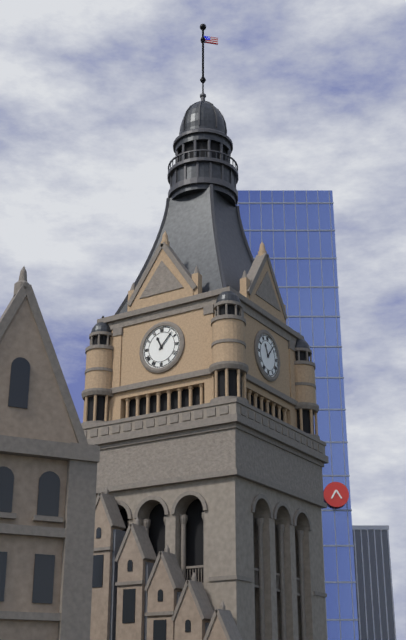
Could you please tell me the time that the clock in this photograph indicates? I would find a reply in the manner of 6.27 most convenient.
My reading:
11.07
